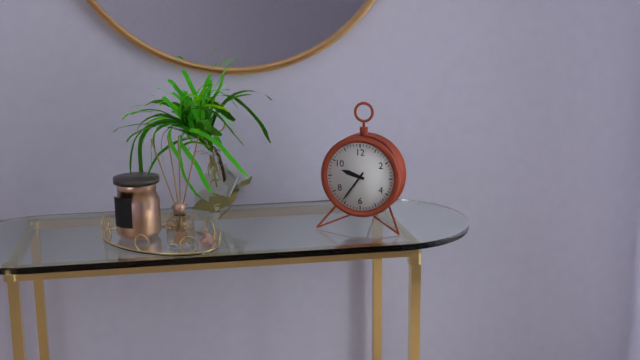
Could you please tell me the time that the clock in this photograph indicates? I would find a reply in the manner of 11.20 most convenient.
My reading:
9.36
